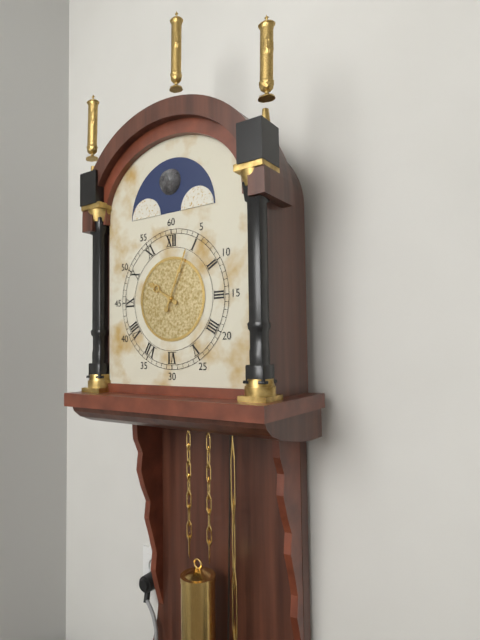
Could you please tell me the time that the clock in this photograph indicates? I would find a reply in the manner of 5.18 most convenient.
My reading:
10.04
